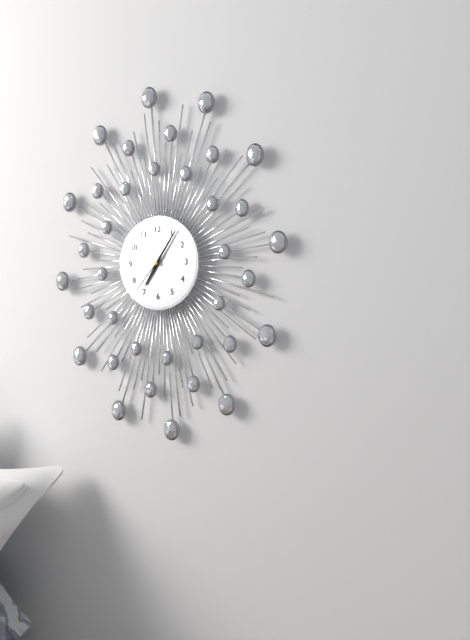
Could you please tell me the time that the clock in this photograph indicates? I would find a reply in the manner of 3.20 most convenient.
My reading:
7.06
